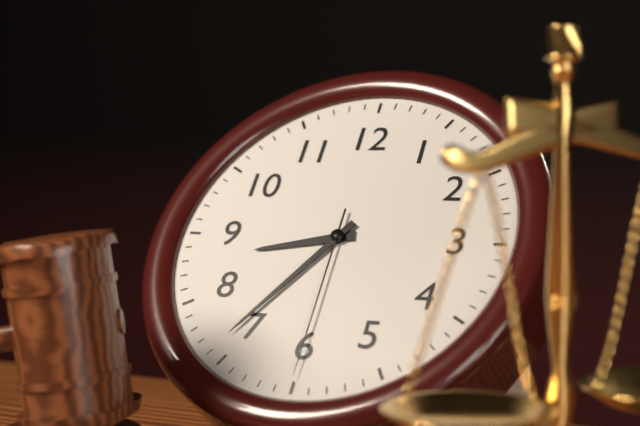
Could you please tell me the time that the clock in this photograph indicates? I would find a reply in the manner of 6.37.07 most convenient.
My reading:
8.36.30
